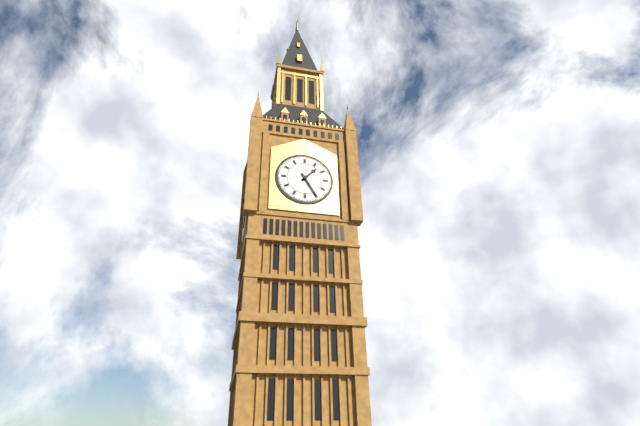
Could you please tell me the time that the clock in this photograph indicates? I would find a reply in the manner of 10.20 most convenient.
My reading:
1.25
